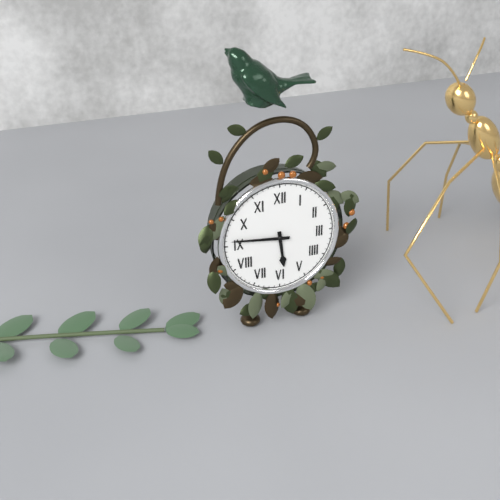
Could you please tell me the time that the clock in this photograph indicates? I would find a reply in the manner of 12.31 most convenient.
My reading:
5.46
